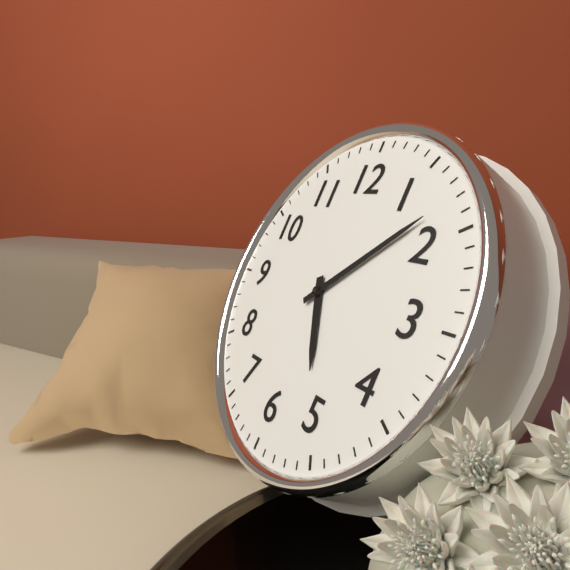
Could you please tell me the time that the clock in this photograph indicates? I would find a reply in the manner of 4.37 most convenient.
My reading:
5.08
